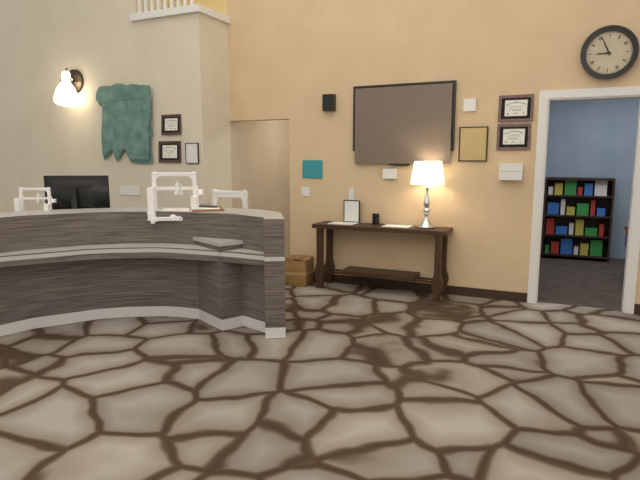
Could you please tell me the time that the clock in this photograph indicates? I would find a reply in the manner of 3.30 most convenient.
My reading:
8.56
